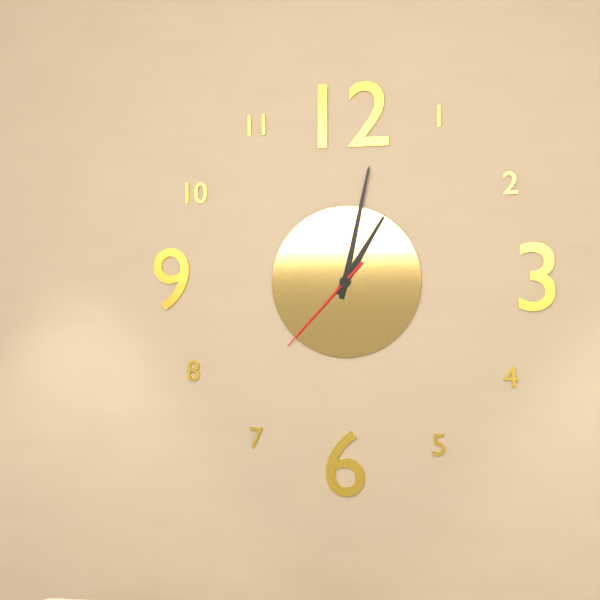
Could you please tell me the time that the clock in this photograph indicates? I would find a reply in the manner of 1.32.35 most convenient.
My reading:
1.02.37
